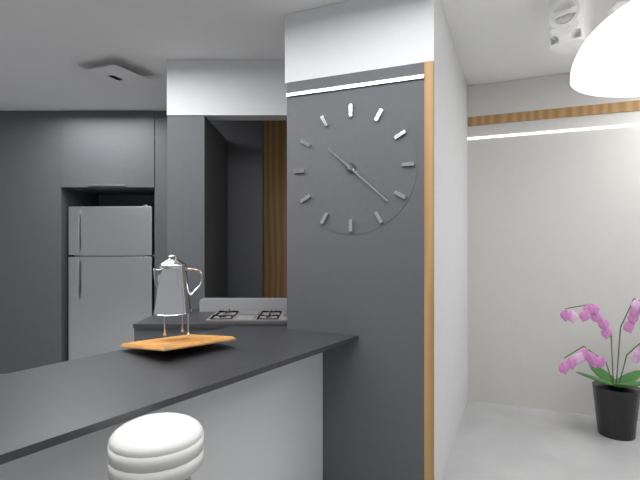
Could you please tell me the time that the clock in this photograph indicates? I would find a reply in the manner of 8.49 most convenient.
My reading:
10.22
